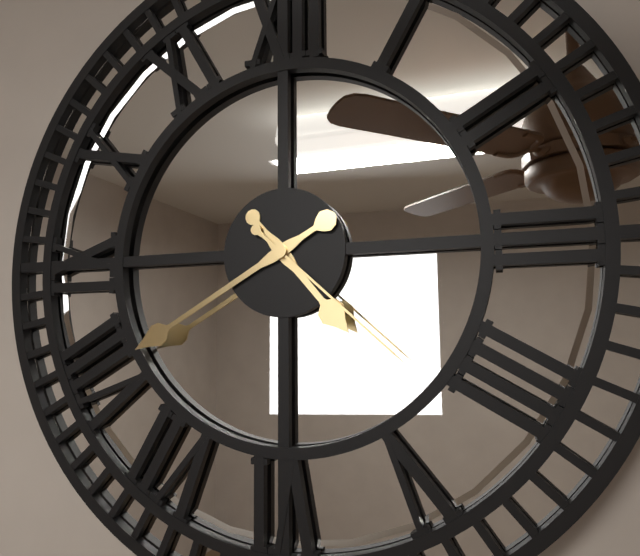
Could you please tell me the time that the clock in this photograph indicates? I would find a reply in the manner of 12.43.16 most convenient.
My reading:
4.40.22
